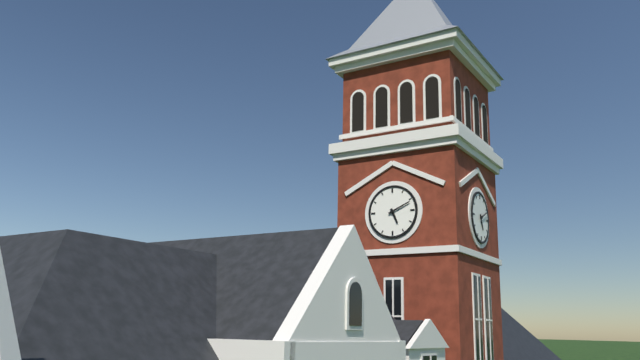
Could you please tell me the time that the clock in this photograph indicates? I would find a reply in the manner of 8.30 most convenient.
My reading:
5.11
